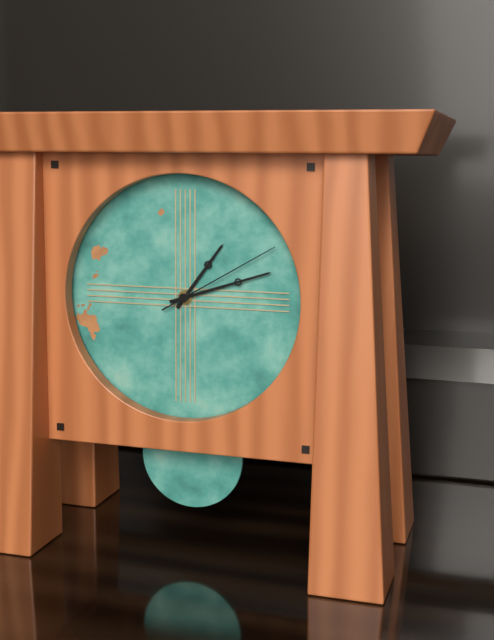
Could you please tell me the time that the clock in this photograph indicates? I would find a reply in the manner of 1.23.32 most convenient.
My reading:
1.12.10
